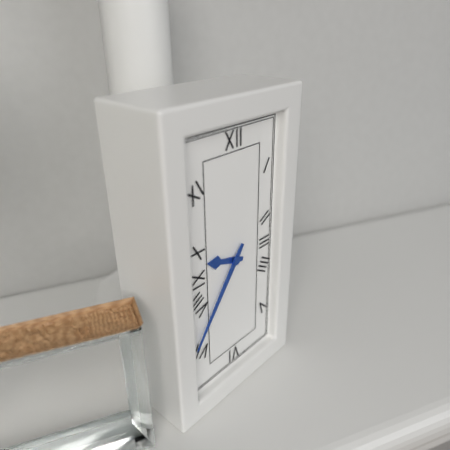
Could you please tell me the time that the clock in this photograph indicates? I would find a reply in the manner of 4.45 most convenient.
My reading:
9.36
